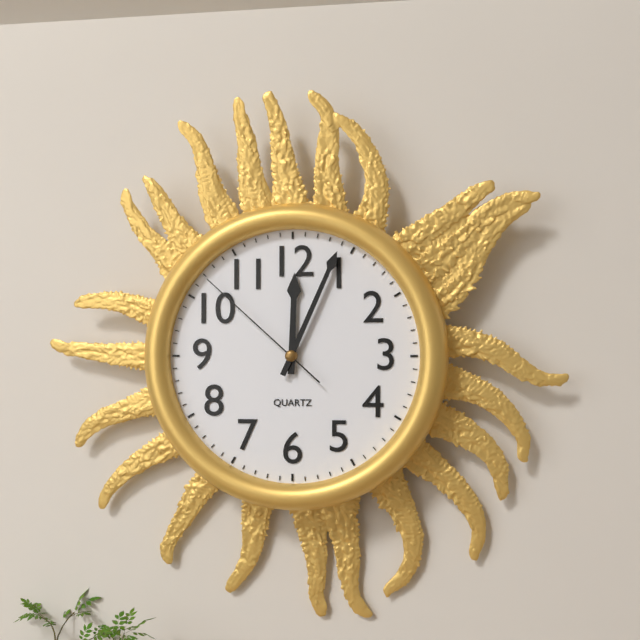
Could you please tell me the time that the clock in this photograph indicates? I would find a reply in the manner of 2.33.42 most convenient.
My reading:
12.04.52
